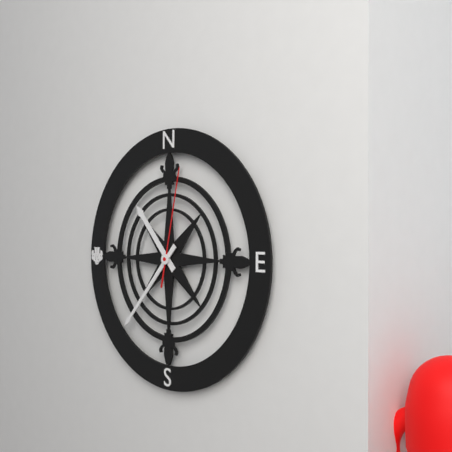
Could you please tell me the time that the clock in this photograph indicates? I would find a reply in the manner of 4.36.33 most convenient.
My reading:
10.37.02
